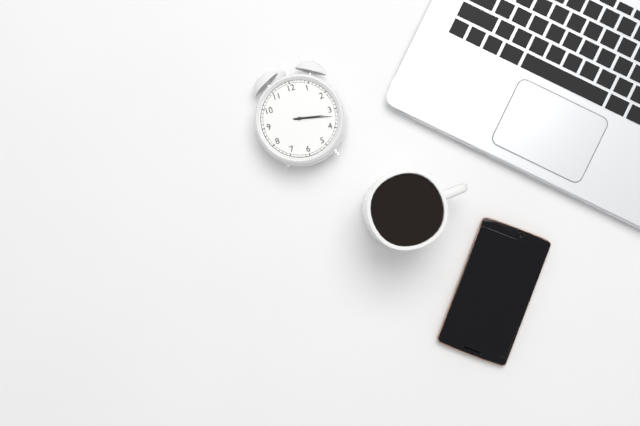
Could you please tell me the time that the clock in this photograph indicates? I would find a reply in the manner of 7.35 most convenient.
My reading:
3.17
